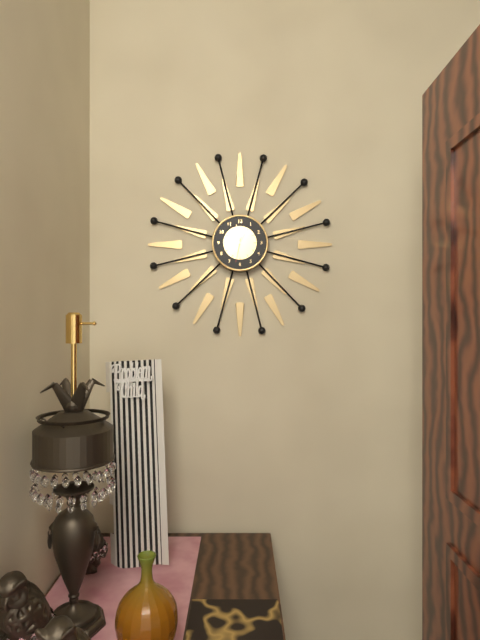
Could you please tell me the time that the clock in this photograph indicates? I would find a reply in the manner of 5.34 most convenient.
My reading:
12.58
